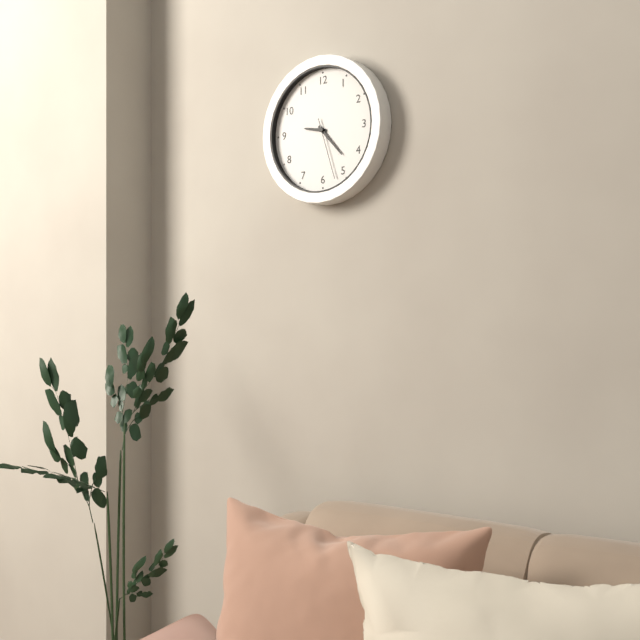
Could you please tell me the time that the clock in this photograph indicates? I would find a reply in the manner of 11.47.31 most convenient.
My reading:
9.23.27
